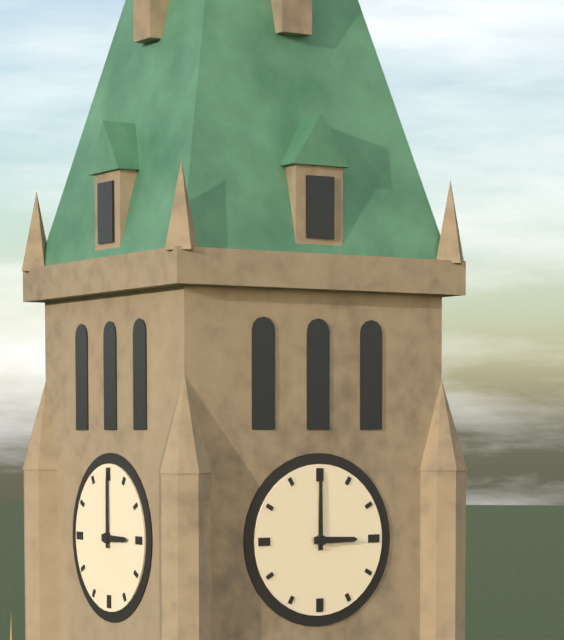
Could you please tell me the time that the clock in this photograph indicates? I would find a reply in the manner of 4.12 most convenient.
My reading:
3.00
